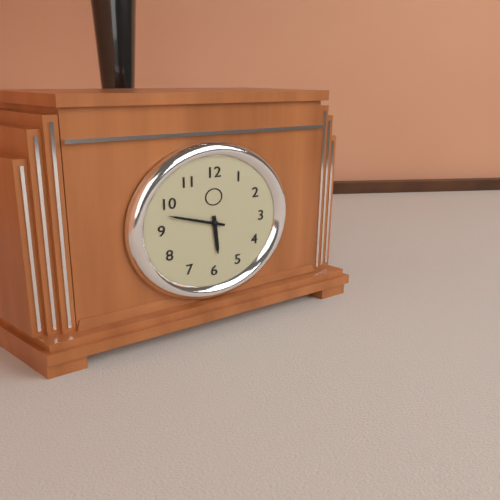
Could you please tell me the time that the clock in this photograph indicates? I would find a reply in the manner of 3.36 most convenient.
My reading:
5.48
